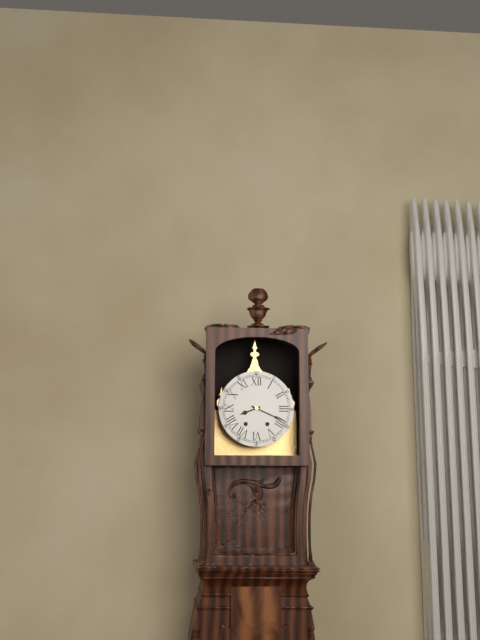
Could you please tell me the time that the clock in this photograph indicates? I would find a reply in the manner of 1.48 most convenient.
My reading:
8.19
